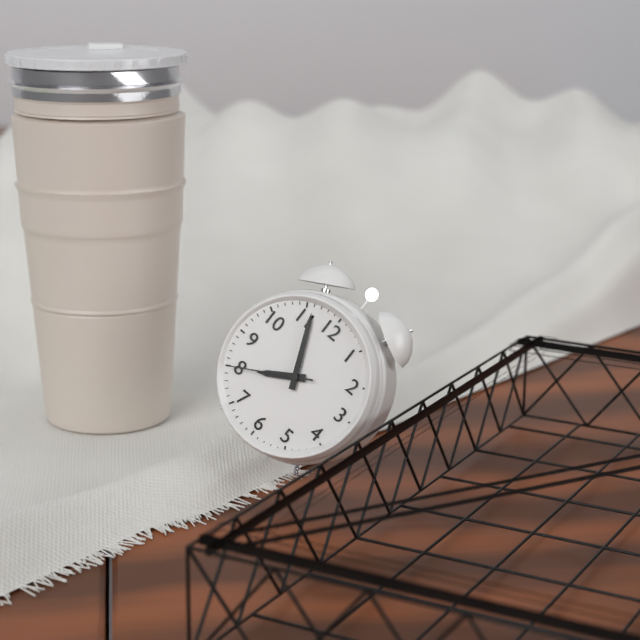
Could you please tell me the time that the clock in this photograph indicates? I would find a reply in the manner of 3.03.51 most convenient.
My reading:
7.56.40
